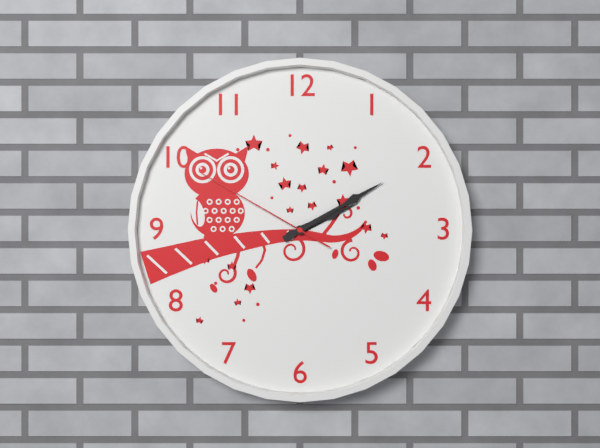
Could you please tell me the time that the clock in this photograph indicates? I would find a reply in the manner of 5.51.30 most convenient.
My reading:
2.10.50
